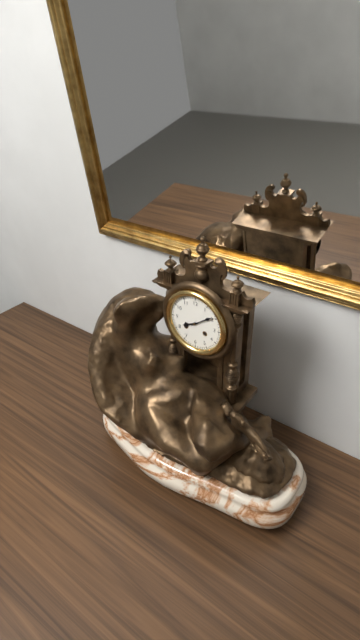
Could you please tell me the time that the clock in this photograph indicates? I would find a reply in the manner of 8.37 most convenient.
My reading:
8.09
